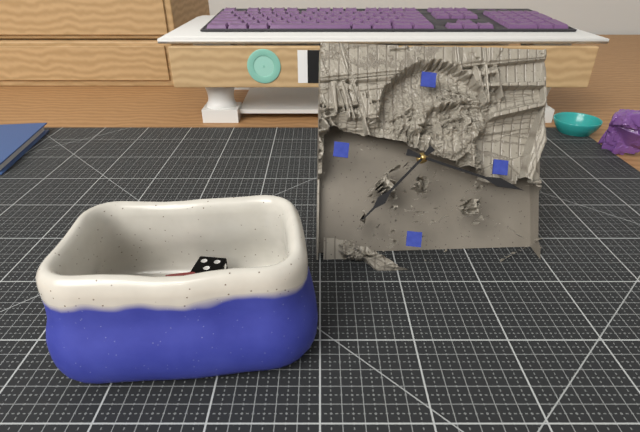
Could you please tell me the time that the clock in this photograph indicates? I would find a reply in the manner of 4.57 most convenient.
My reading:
7.17
